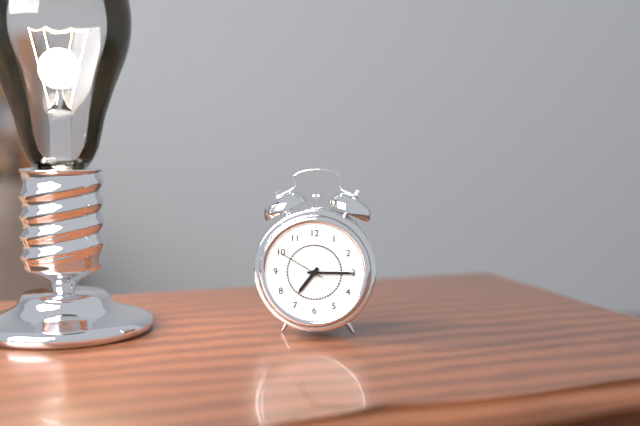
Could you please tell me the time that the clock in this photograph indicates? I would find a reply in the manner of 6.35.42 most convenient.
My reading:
7.15.50
